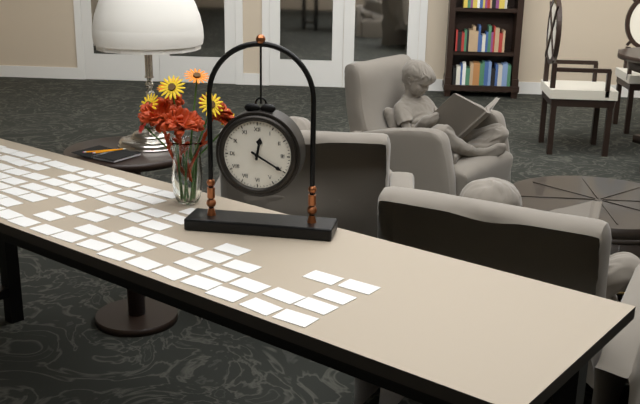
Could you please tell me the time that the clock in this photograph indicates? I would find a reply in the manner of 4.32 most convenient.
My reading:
12.20
